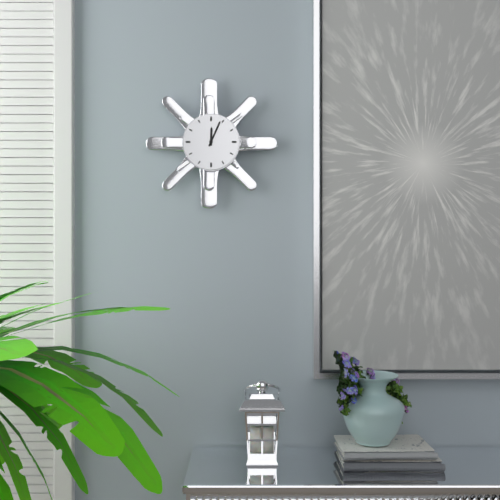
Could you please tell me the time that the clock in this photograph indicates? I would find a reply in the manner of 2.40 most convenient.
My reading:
12.04
